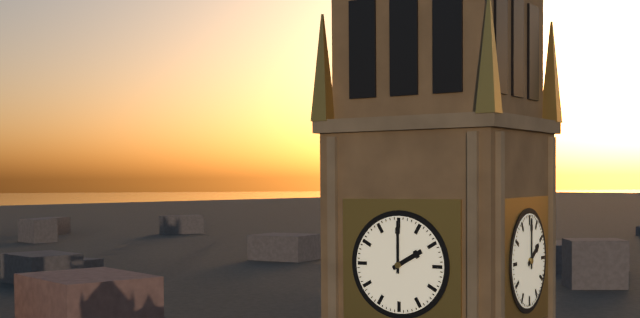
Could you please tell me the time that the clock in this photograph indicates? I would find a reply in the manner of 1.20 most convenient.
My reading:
2.00
